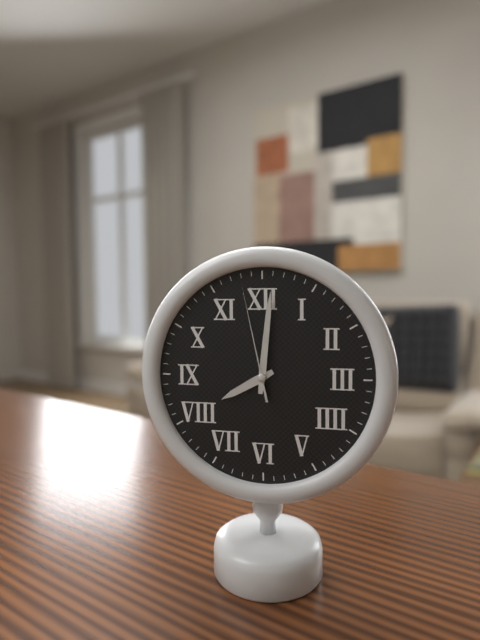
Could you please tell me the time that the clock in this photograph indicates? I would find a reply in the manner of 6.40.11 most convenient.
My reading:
8.01.58
